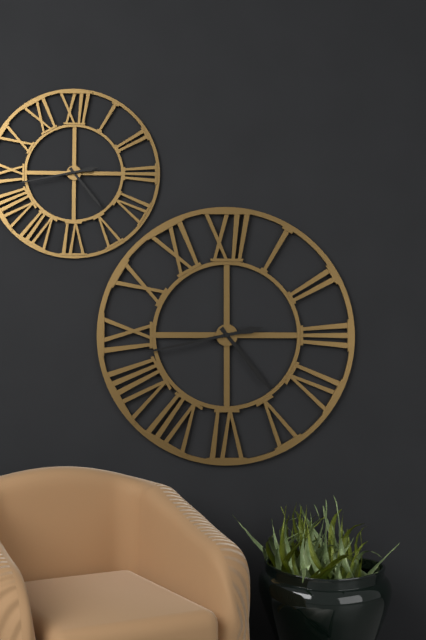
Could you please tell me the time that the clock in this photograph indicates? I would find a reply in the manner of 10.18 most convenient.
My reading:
4.43
